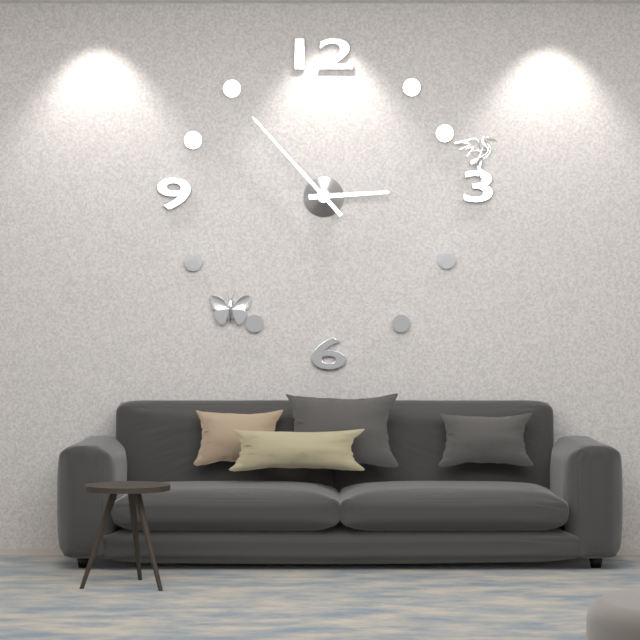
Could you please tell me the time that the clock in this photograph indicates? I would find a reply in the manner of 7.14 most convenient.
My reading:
2.53
